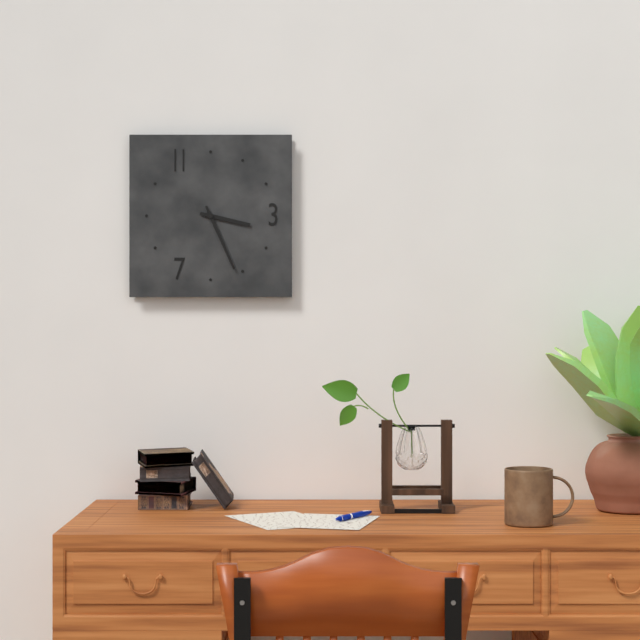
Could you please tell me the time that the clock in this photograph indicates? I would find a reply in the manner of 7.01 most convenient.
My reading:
3.26
